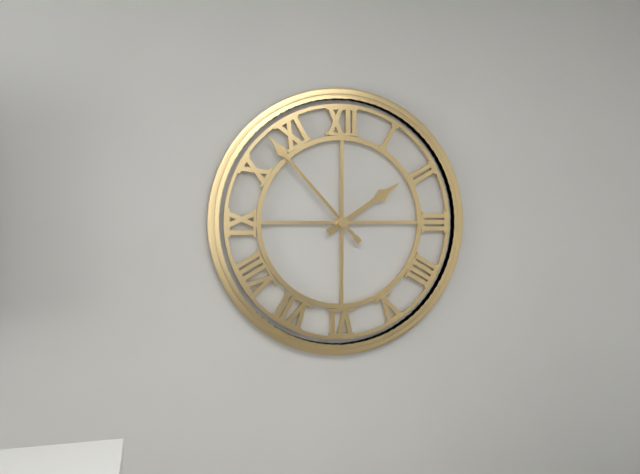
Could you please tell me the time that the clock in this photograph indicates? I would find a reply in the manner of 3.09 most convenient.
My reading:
1.53
